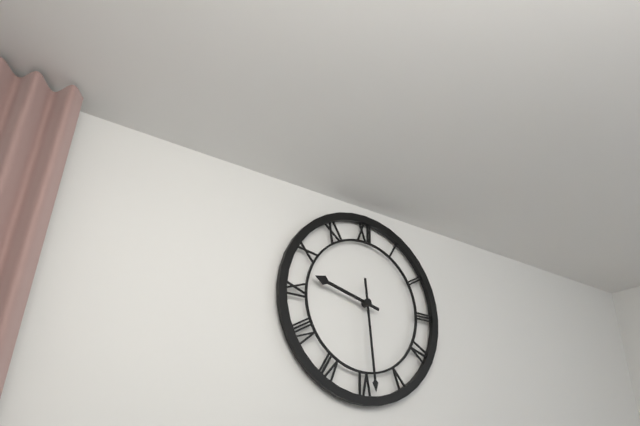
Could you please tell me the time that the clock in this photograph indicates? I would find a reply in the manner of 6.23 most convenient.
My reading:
9.29
